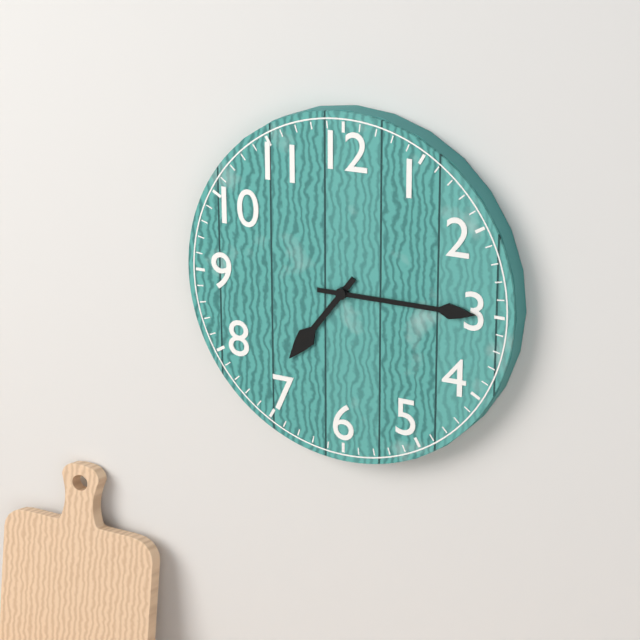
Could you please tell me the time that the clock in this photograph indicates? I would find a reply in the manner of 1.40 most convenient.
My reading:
7.15
